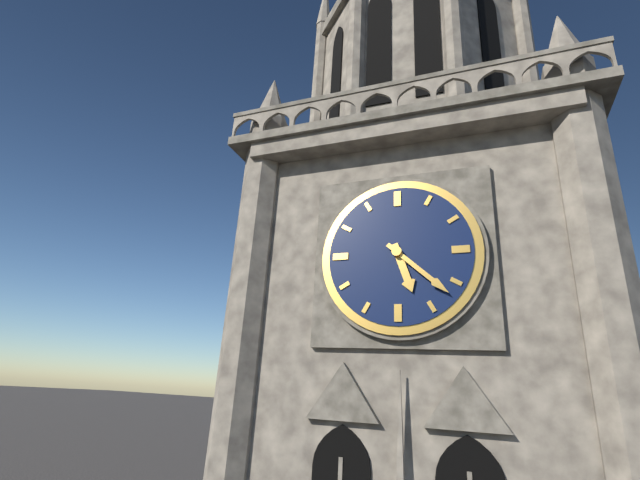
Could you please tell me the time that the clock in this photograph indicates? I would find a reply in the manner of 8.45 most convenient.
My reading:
5.22
